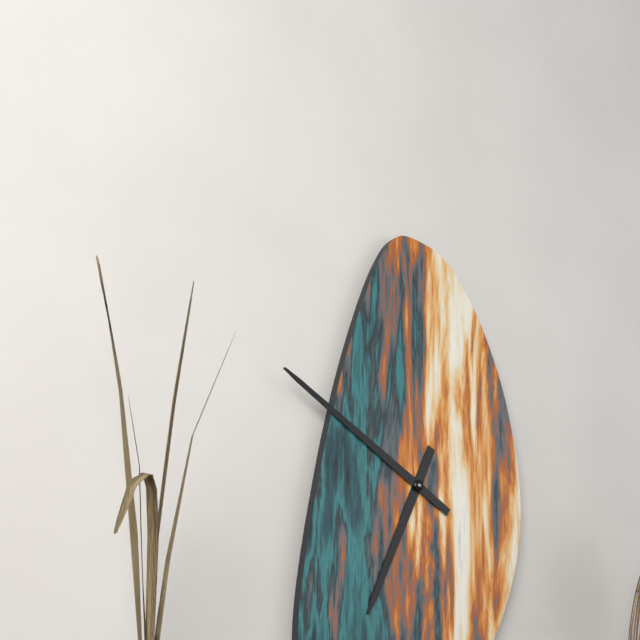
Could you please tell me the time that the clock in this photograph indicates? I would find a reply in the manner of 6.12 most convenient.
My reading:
6.50
